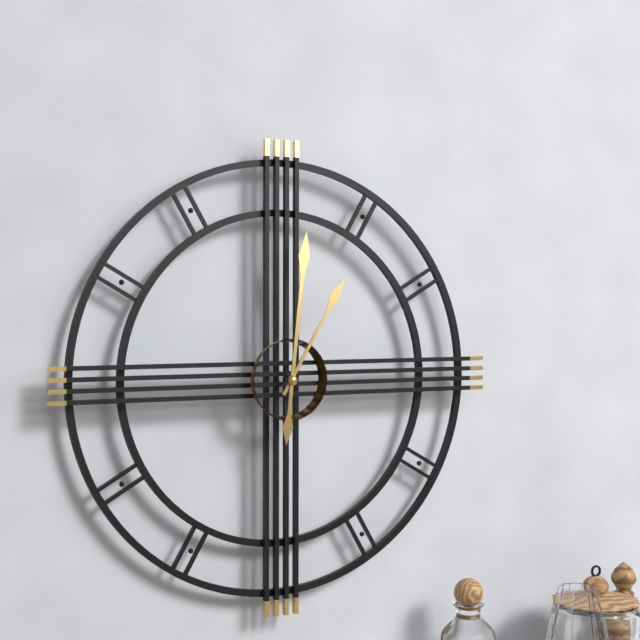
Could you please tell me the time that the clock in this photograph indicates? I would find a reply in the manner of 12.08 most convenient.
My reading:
1.01
